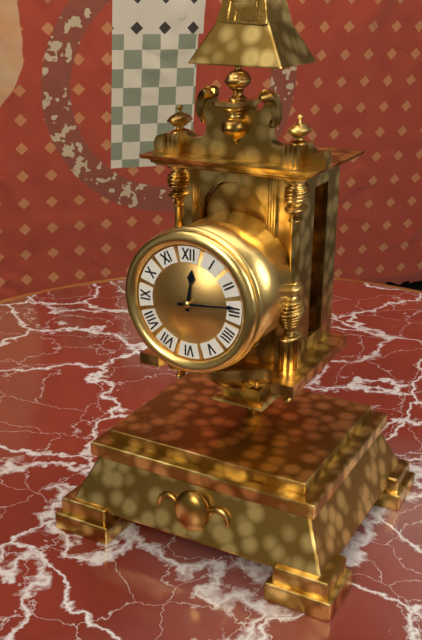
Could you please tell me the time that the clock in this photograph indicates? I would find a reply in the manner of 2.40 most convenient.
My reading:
12.14
